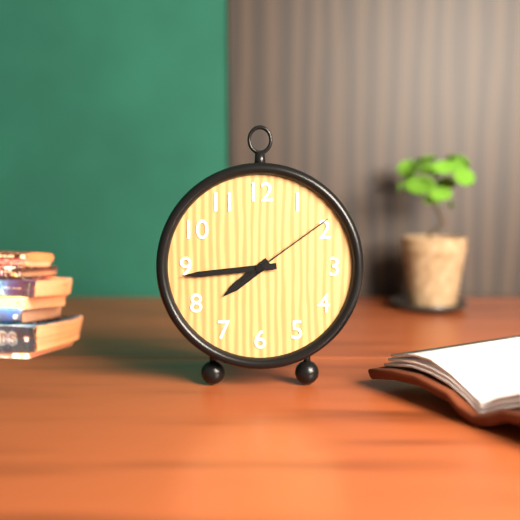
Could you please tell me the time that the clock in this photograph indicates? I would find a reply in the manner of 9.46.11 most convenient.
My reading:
7.44.09
